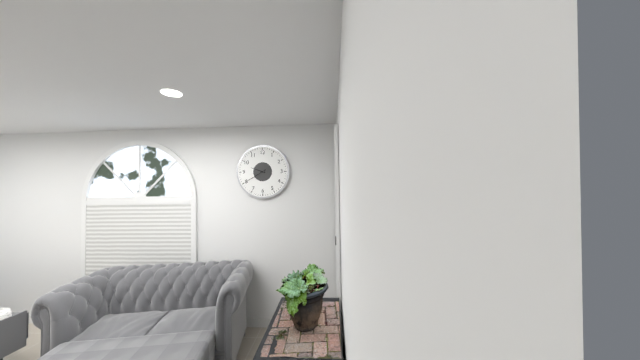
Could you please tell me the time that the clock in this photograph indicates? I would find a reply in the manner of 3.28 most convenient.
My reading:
9.40
